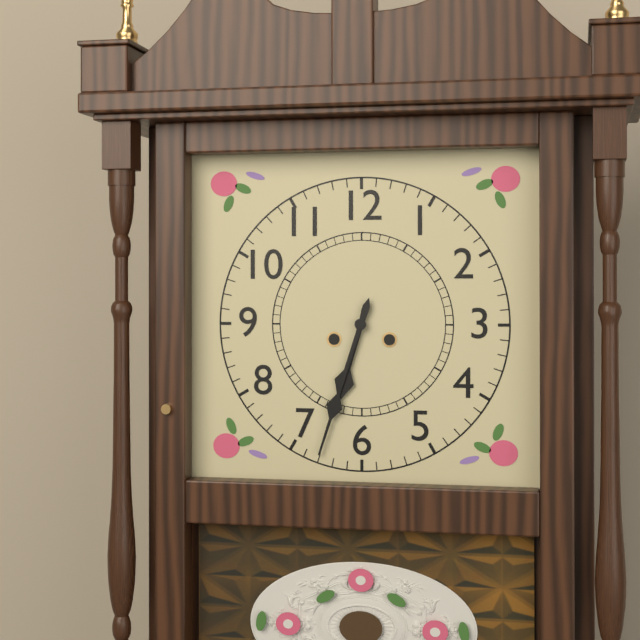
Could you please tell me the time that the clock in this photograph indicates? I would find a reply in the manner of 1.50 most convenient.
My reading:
6.33
